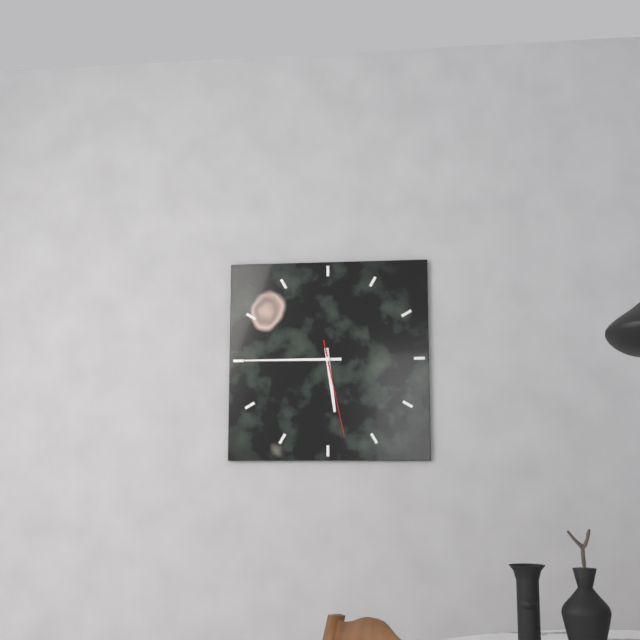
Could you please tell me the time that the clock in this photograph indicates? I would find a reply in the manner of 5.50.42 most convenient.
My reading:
5.45.28
